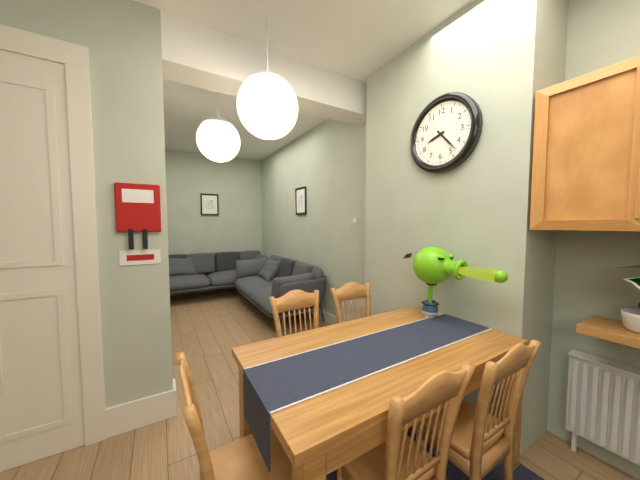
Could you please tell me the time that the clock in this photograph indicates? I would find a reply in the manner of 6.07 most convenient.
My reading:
8.23
